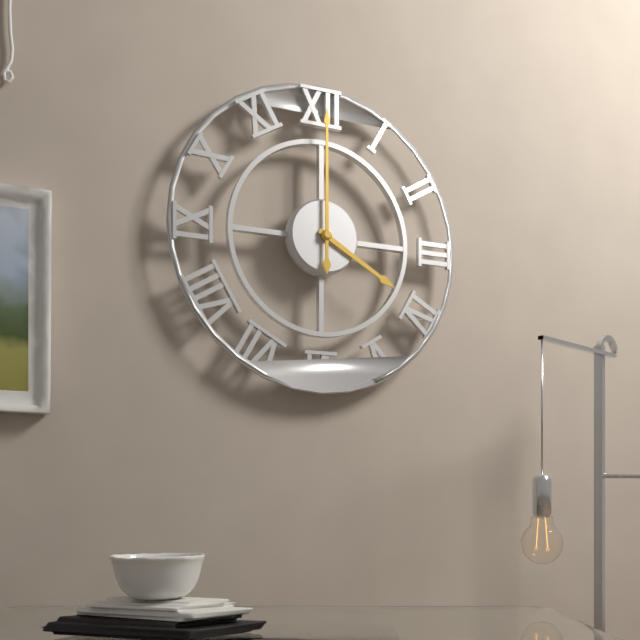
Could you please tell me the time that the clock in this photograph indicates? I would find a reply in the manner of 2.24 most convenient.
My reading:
4.00
